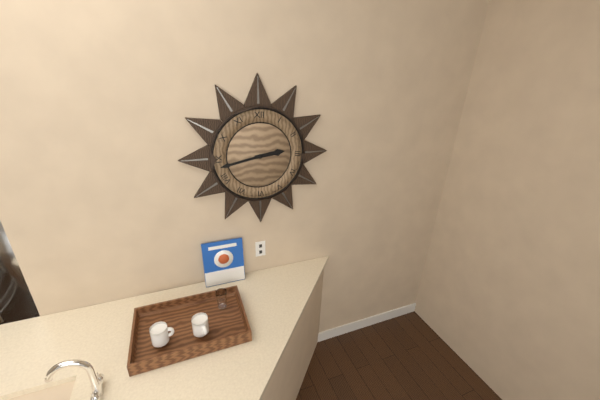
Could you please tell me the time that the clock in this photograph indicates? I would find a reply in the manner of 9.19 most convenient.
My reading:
2.43
